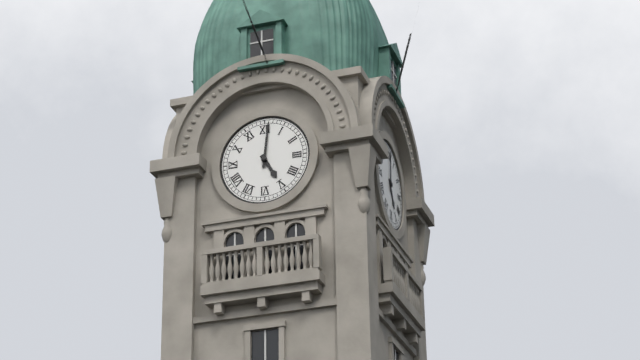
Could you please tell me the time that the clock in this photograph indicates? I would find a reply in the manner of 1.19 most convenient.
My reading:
5.01
